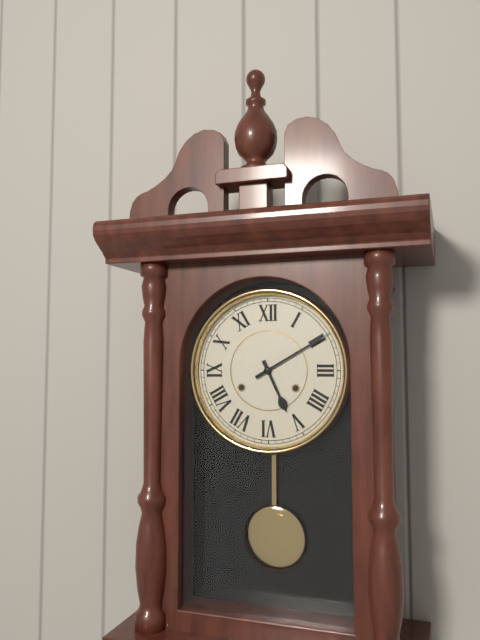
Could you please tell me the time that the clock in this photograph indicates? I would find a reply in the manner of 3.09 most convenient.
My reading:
5.10
